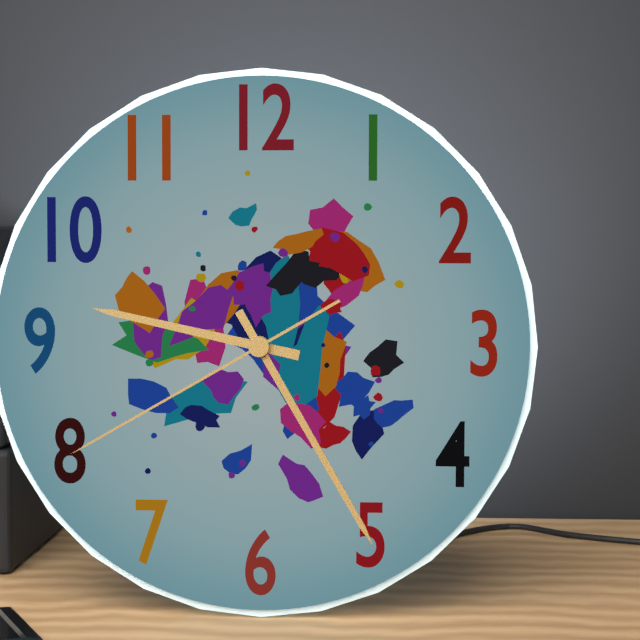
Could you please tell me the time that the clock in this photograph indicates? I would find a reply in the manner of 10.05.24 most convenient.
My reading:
9.25.40
